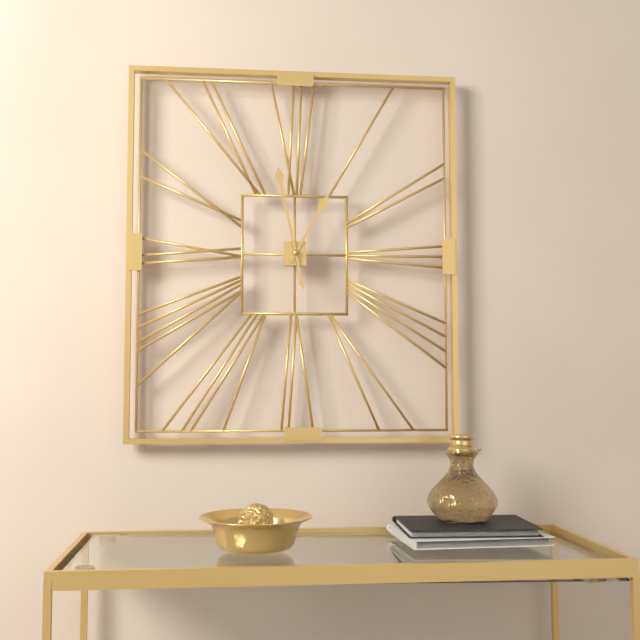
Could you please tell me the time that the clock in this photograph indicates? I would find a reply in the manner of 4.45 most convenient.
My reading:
12.58
